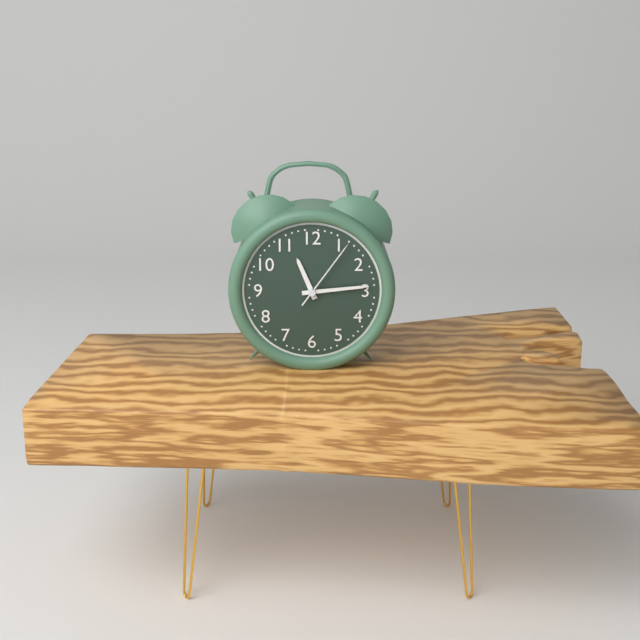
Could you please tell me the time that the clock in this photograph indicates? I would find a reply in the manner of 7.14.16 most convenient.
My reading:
11.14.06
